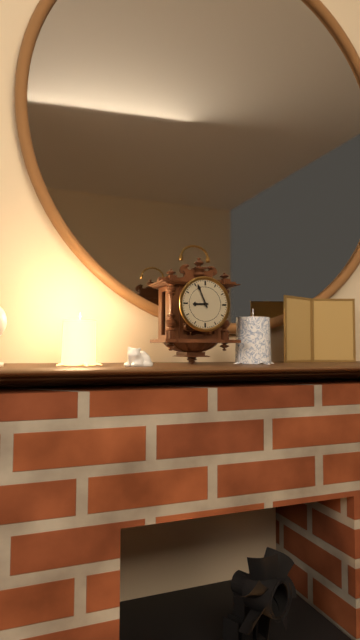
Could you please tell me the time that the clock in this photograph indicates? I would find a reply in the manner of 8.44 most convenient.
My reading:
8.56
